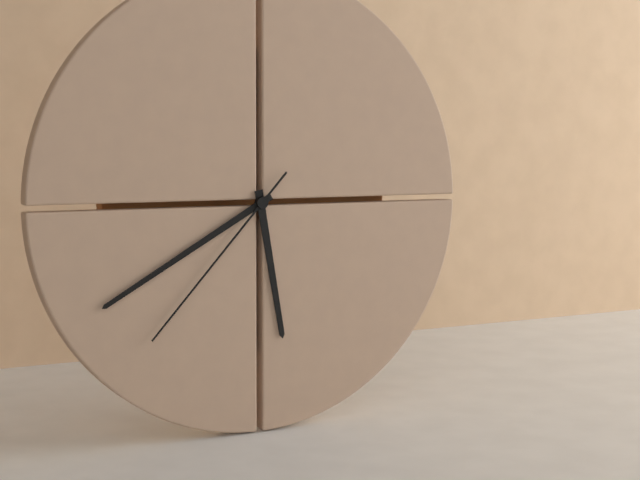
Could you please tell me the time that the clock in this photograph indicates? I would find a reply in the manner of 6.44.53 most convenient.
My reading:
5.40.37
